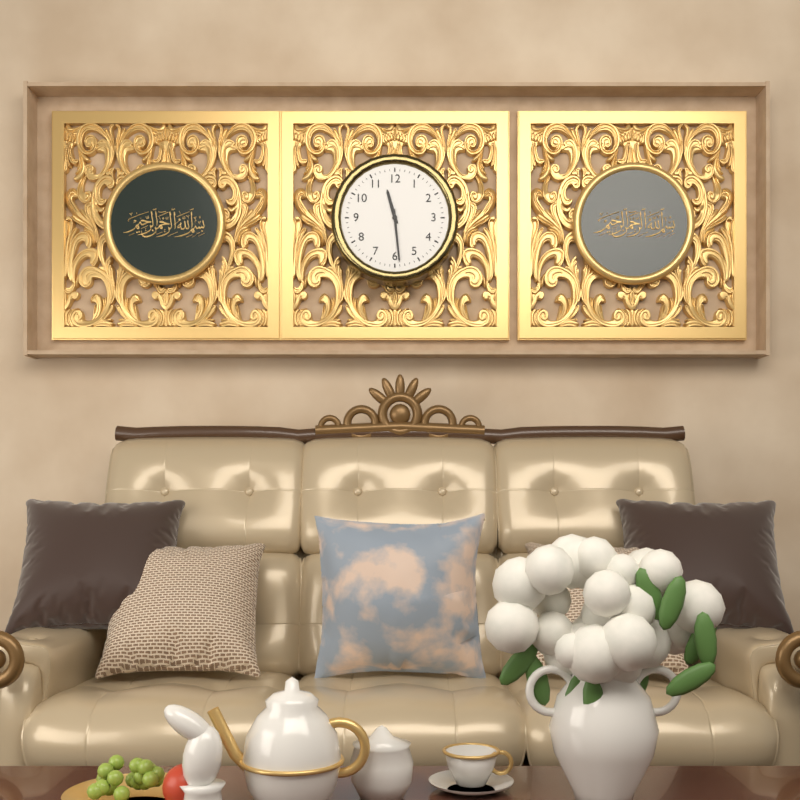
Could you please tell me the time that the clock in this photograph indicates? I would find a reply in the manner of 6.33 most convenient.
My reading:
11.29
